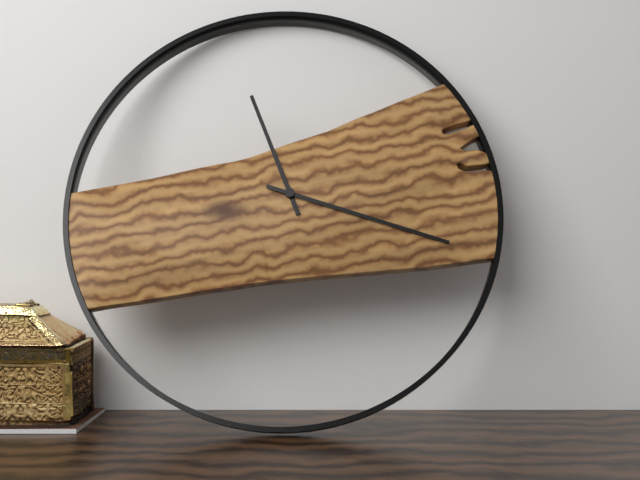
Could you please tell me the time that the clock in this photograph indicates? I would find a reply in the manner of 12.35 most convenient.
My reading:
11.18
